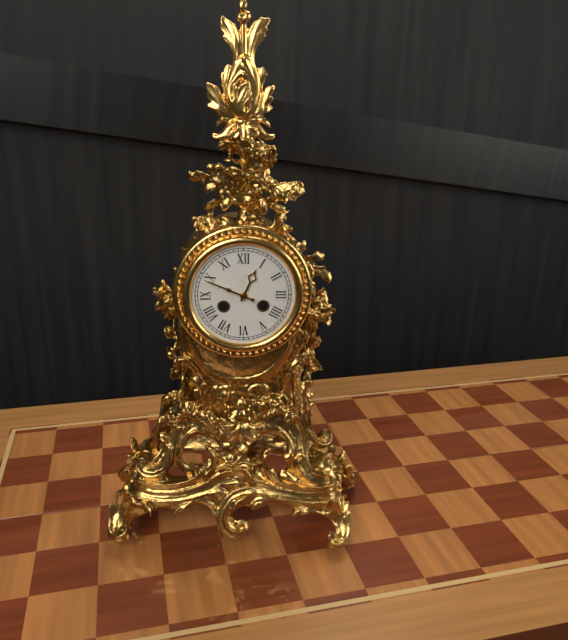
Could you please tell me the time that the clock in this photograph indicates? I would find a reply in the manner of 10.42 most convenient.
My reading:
12.49
